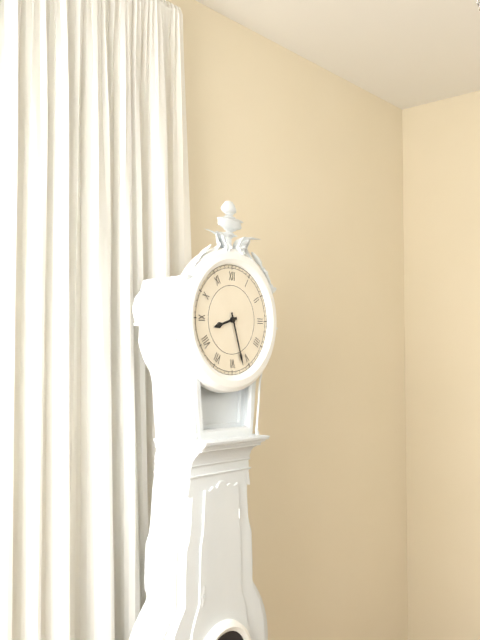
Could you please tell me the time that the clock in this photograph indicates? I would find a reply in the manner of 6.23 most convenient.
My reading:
8.27
